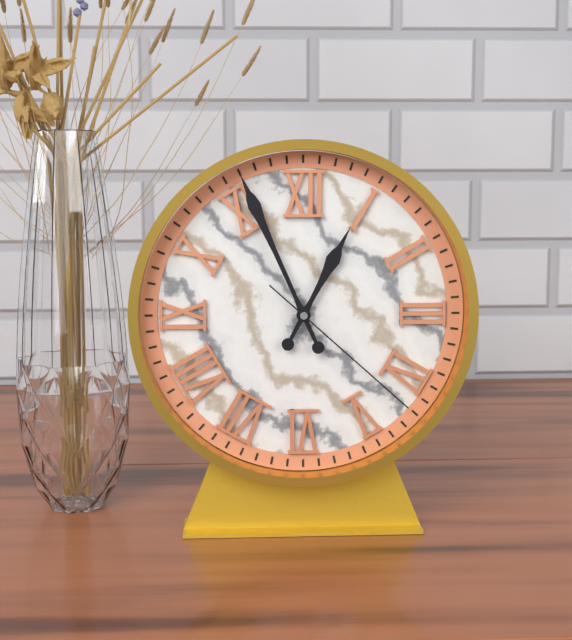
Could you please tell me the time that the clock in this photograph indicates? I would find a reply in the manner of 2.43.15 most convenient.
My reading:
12.56.22
